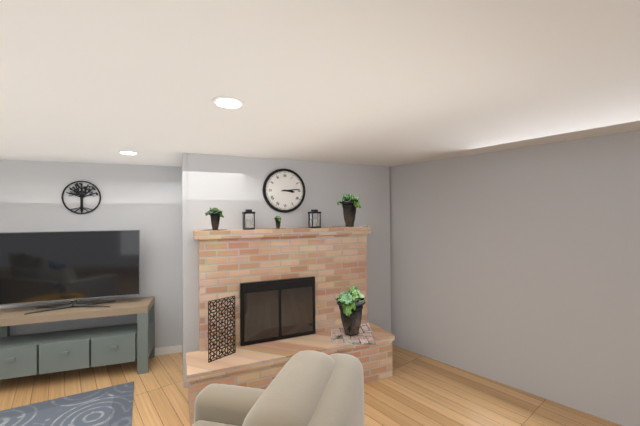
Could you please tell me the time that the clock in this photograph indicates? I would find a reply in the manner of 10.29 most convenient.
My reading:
3.14
